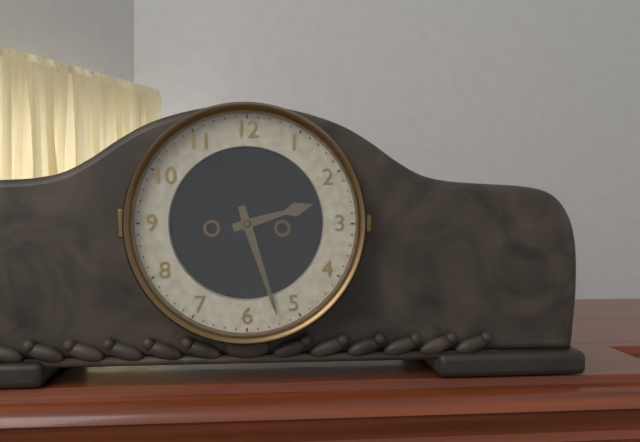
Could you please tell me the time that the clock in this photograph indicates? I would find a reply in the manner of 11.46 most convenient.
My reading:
2.27
